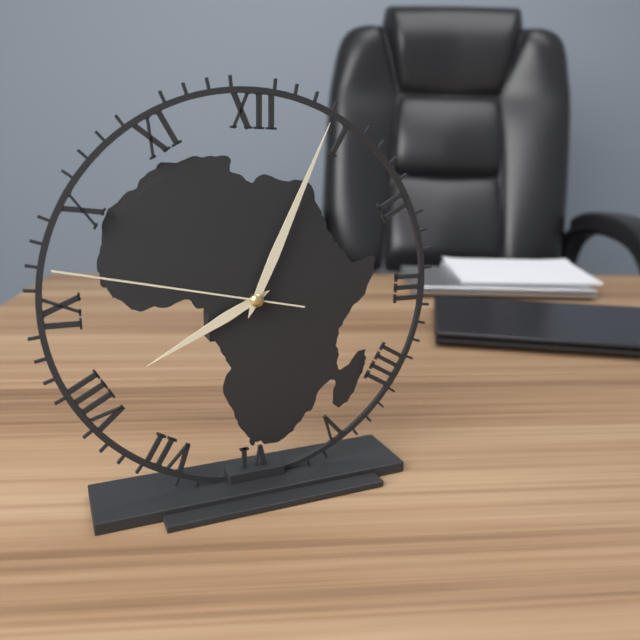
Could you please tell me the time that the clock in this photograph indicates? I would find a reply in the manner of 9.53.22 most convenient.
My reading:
8.04.47
